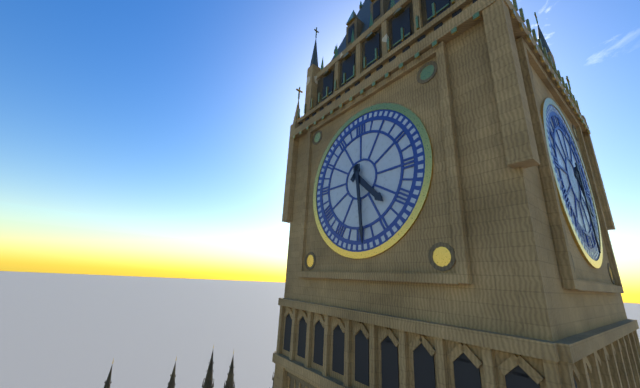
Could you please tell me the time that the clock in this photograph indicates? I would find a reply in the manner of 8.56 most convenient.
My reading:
4.29
